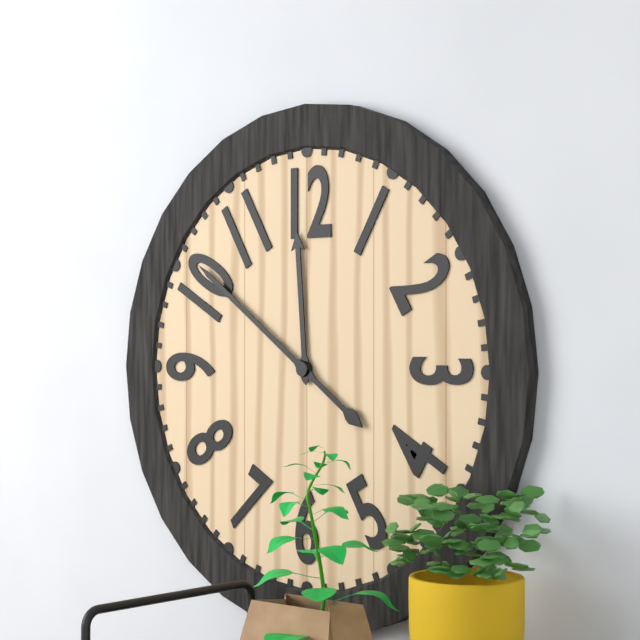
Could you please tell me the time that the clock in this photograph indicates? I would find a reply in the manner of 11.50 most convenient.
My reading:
11.51
